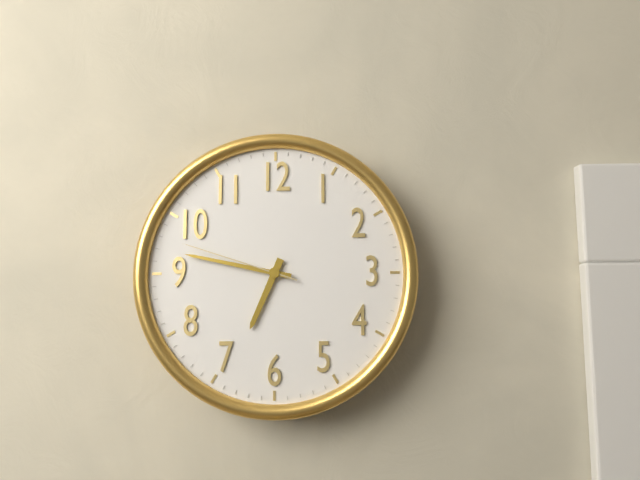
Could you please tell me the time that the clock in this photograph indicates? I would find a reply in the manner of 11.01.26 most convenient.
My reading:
6.47.48
